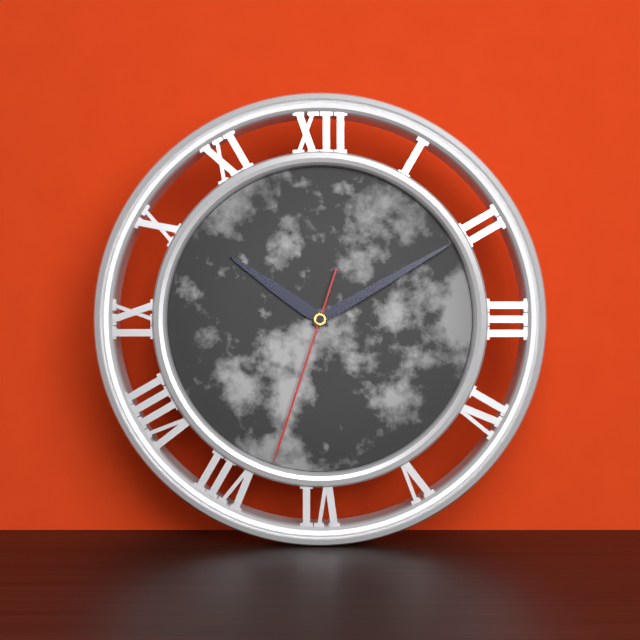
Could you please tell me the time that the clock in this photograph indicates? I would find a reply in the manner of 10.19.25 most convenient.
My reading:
10.10.33
